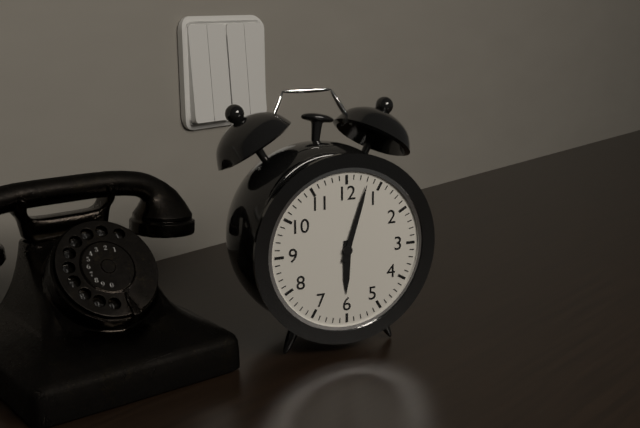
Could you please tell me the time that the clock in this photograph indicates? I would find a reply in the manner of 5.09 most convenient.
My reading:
6.03
